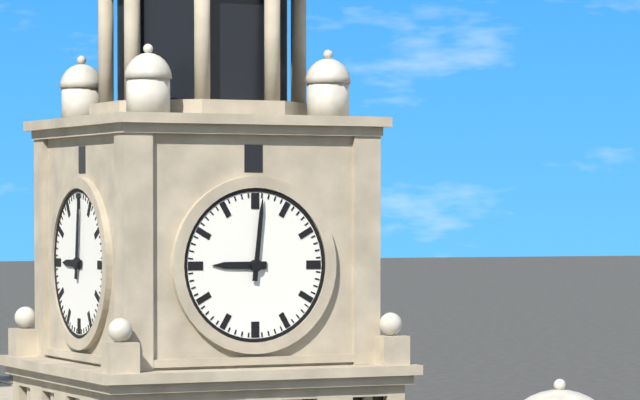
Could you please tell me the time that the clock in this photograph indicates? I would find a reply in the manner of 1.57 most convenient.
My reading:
9.01
